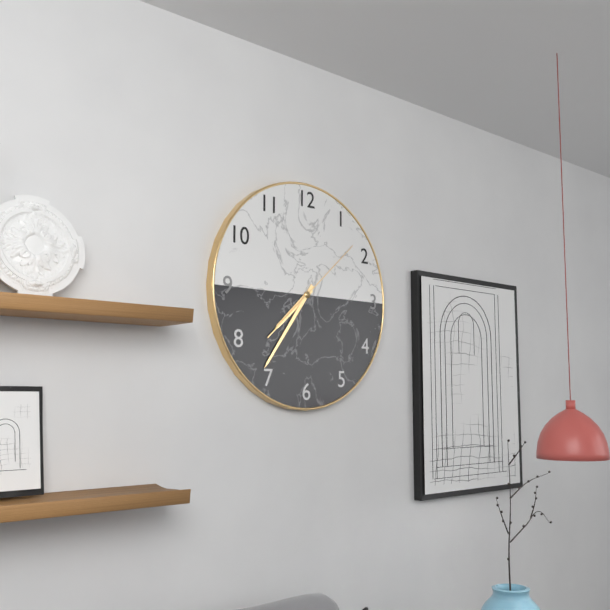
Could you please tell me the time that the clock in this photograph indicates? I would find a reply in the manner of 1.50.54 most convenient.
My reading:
7.36.08
